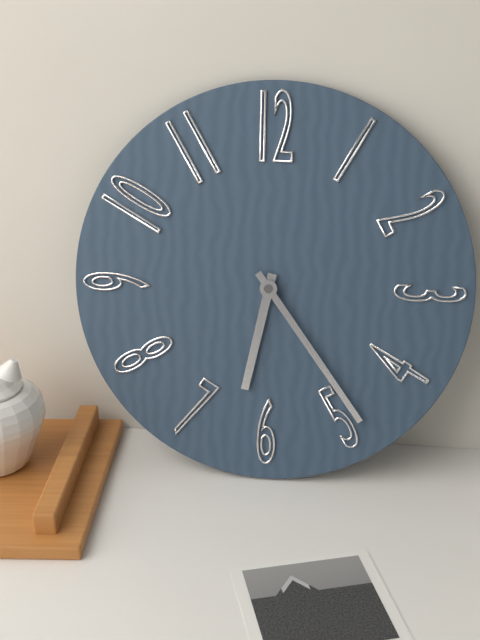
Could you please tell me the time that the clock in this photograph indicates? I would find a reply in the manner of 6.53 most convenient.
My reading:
6.24
